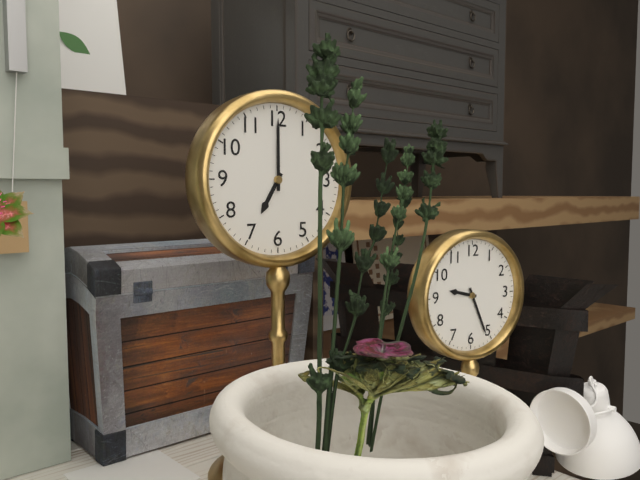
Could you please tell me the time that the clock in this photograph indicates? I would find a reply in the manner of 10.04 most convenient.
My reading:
7.00
